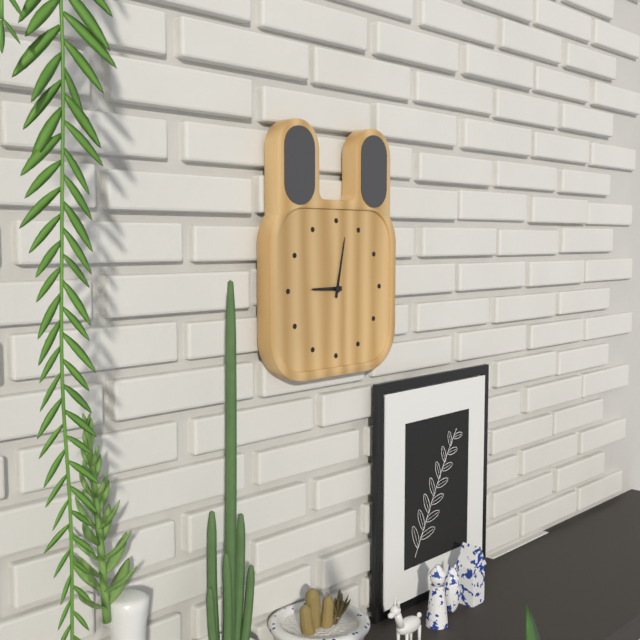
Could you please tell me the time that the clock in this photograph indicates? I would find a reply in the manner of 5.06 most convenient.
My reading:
9.02
